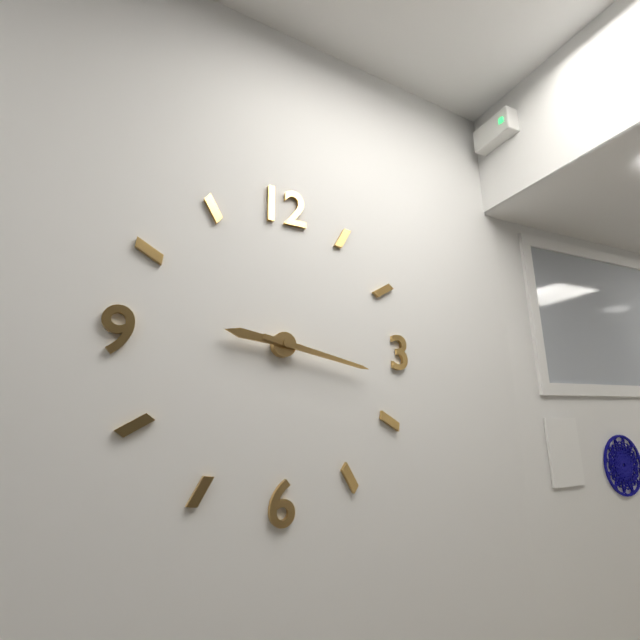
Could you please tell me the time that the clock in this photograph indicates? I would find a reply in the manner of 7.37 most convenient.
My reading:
9.17
